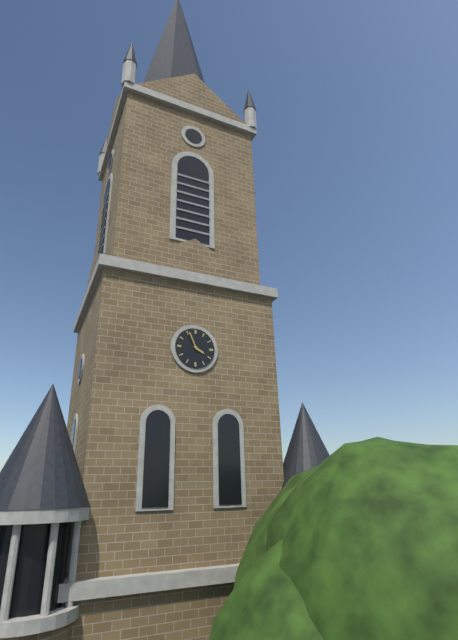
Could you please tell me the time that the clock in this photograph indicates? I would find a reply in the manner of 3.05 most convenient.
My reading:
3.56
